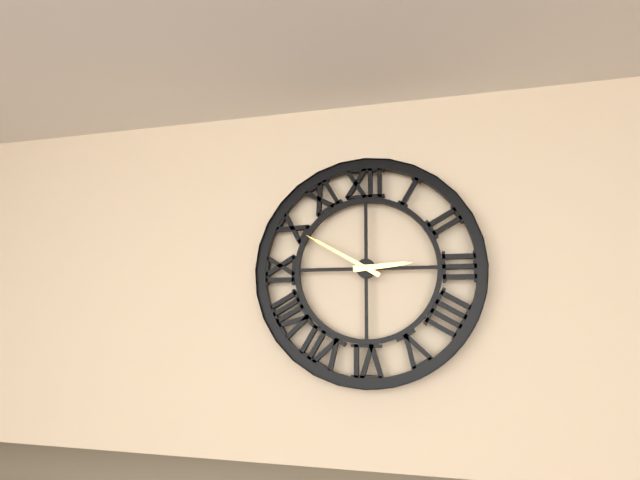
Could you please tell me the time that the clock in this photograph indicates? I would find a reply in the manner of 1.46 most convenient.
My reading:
2.50
